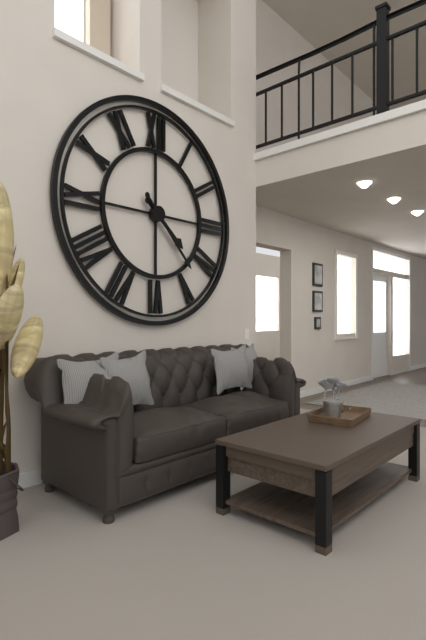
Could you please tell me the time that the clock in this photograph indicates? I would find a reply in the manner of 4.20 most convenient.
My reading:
4.23
